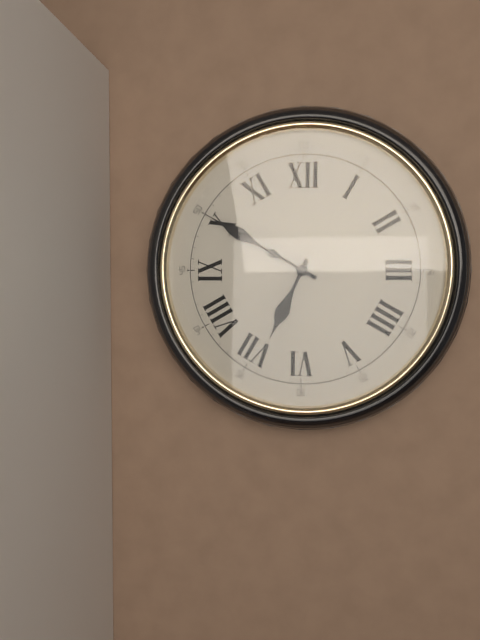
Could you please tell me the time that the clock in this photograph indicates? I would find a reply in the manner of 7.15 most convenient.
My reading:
6.50
